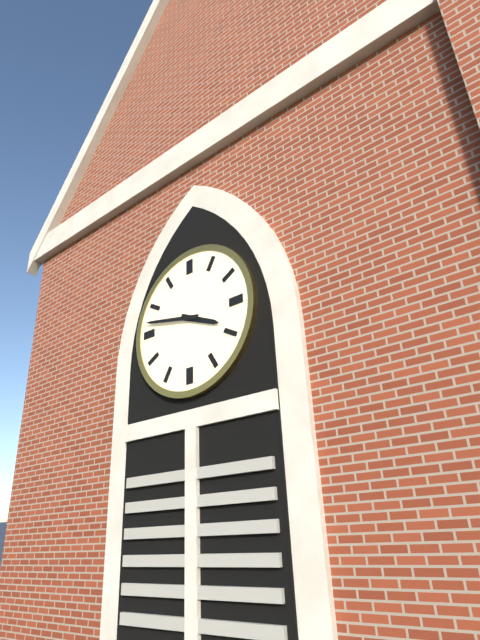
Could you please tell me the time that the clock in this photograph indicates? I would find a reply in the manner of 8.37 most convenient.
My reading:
3.47
